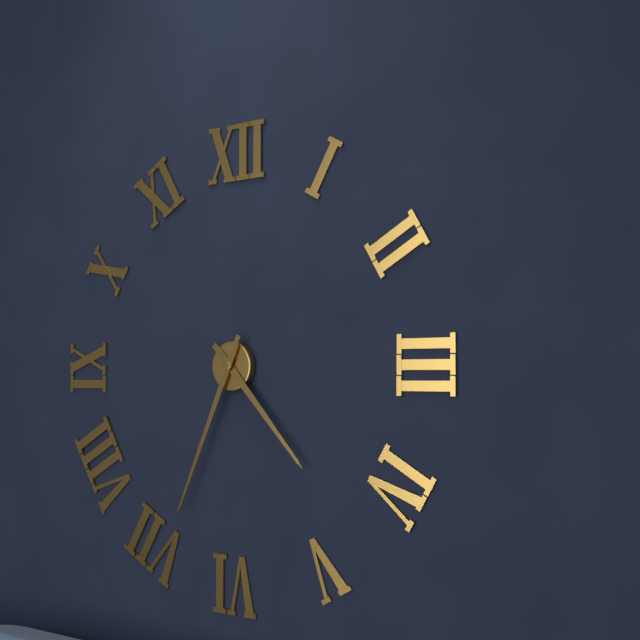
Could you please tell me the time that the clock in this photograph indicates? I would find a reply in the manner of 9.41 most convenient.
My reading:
4.34
